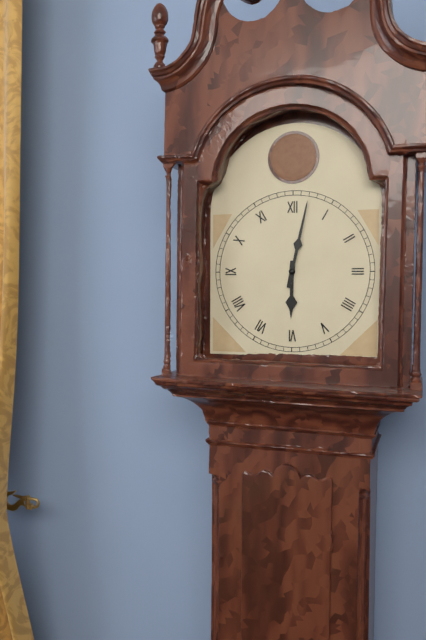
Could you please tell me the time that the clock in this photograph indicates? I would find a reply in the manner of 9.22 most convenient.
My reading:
6.02
